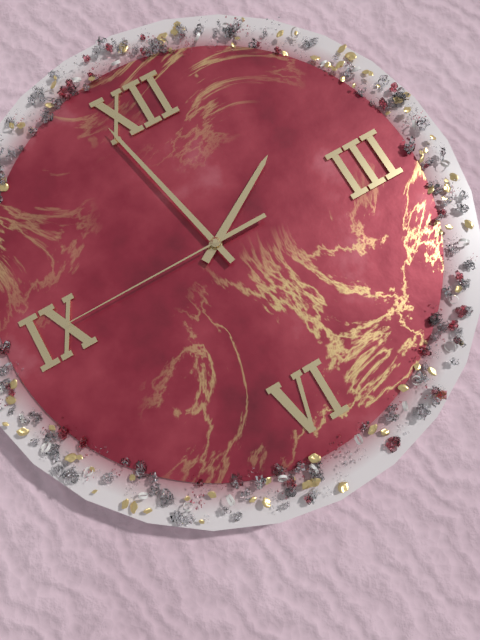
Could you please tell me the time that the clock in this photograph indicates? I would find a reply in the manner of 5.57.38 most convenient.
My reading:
1.58.45
